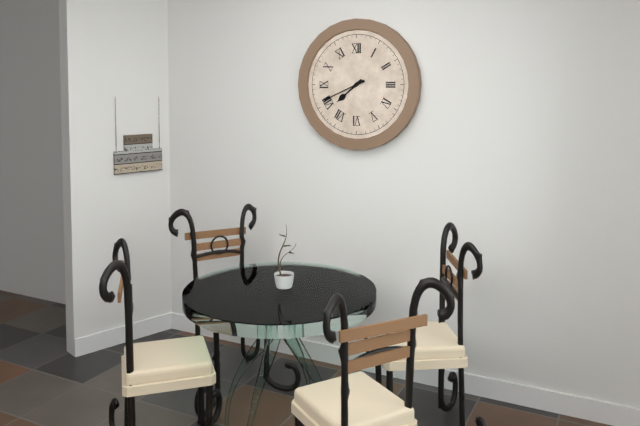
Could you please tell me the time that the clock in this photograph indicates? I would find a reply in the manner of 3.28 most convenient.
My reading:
7.41
